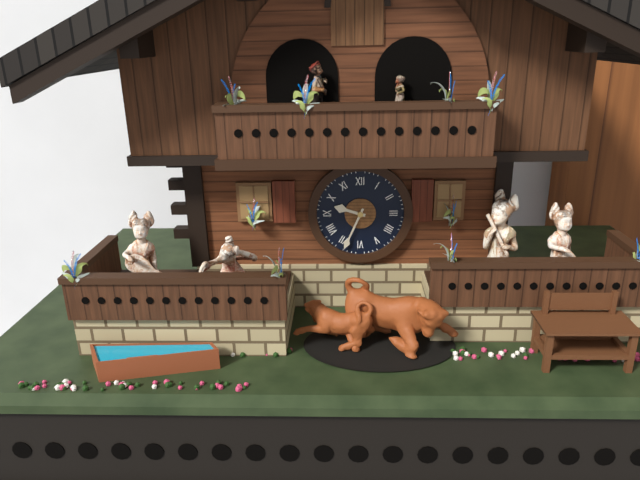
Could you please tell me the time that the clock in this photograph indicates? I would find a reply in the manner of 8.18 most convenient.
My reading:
9.34
